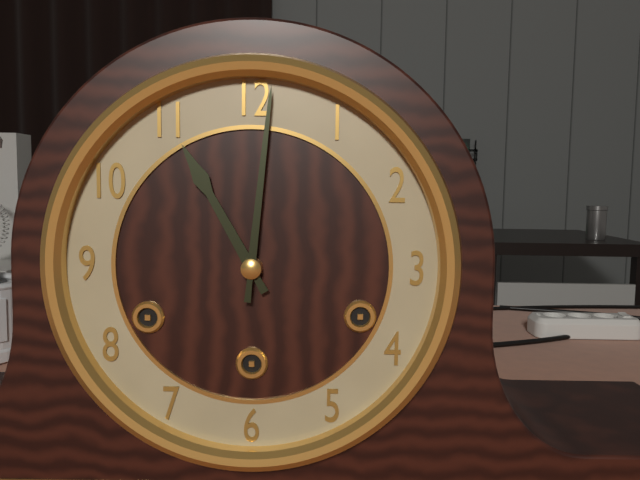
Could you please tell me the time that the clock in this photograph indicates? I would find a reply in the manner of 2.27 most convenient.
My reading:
11.01
